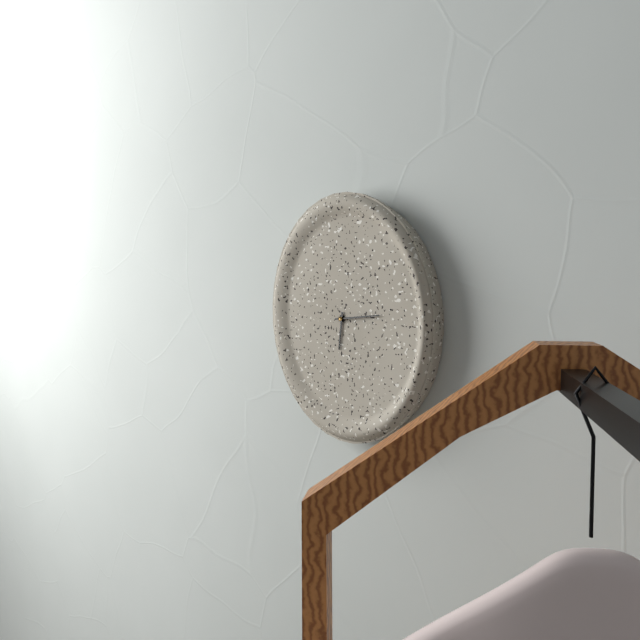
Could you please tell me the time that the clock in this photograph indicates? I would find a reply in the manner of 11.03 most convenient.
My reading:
6.14
